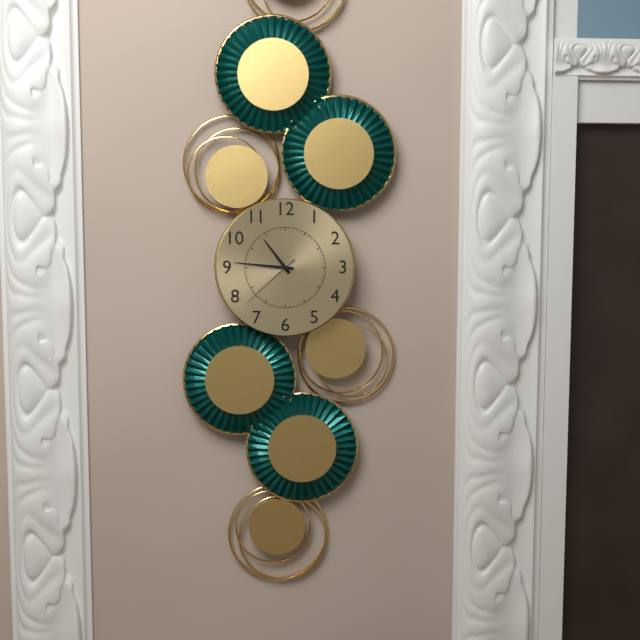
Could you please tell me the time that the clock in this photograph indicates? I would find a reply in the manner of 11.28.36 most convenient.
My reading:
10.46.38
